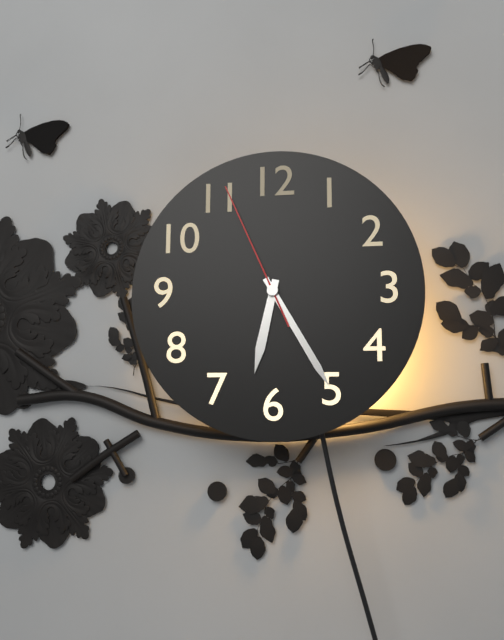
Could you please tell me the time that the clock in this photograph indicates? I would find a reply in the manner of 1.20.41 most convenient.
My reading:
6.25.56
